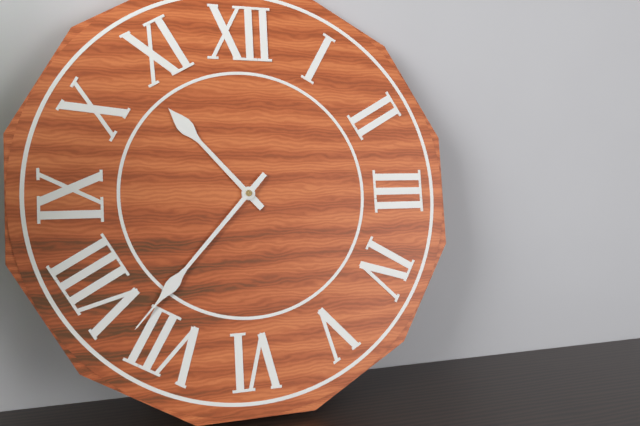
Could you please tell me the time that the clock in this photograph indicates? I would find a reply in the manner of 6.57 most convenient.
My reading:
10.37
